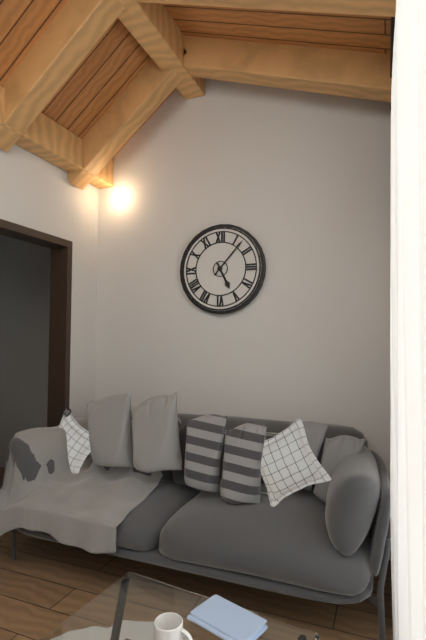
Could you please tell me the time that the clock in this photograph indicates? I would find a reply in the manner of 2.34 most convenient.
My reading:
5.07
